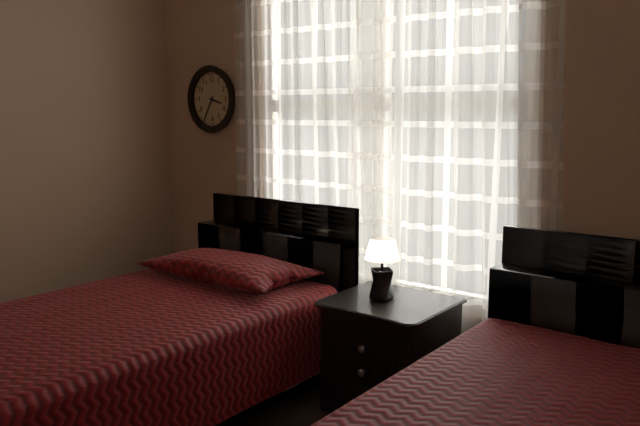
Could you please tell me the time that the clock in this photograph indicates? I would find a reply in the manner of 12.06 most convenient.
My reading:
3.35
